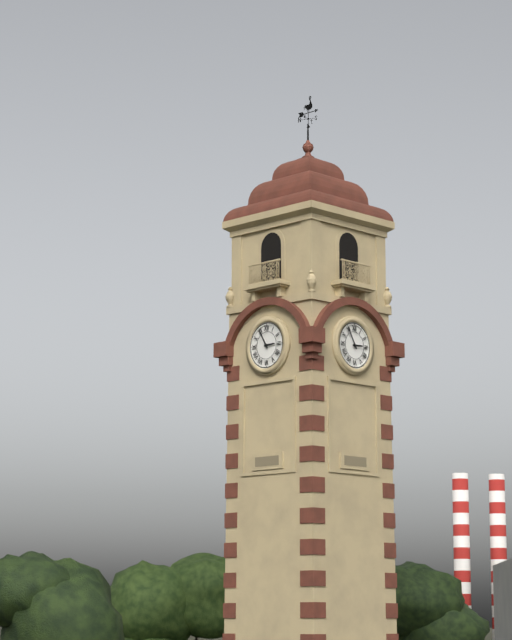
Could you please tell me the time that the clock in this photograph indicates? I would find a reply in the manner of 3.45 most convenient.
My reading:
2.55
